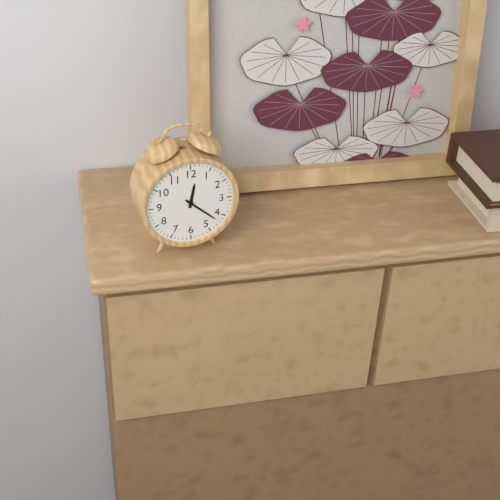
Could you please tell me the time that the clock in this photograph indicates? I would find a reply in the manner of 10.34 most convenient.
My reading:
12.22
